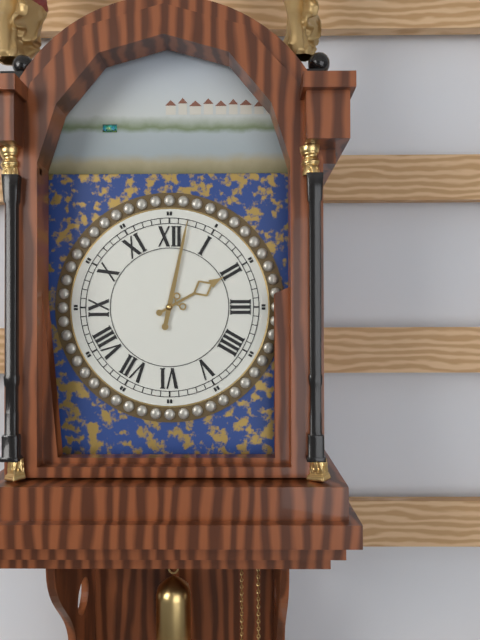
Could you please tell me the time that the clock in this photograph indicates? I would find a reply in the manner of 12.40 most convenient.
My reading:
2.02
